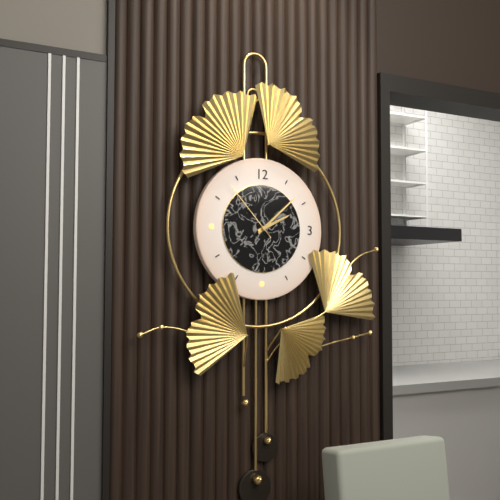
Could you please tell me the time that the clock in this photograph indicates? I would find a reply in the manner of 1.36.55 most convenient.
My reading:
2.08.53
